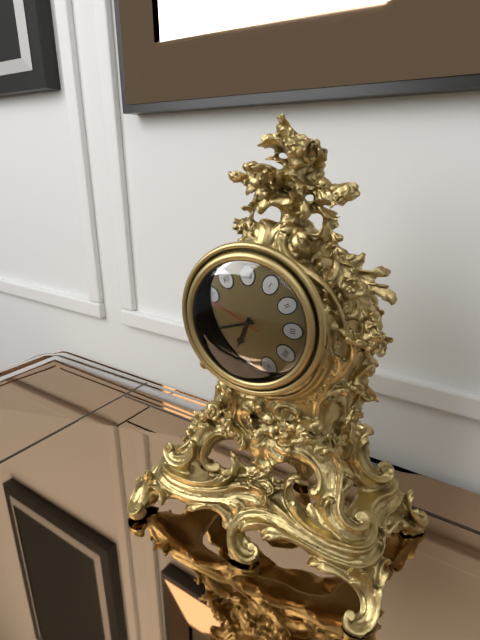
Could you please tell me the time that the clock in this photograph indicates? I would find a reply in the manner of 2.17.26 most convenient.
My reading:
6.42.49
